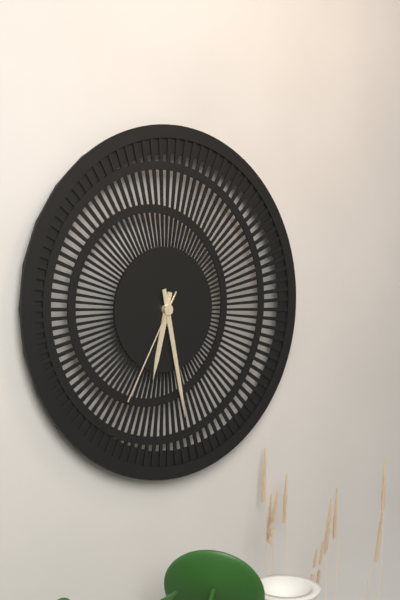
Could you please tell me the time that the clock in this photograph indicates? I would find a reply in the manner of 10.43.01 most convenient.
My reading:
6.28.35
